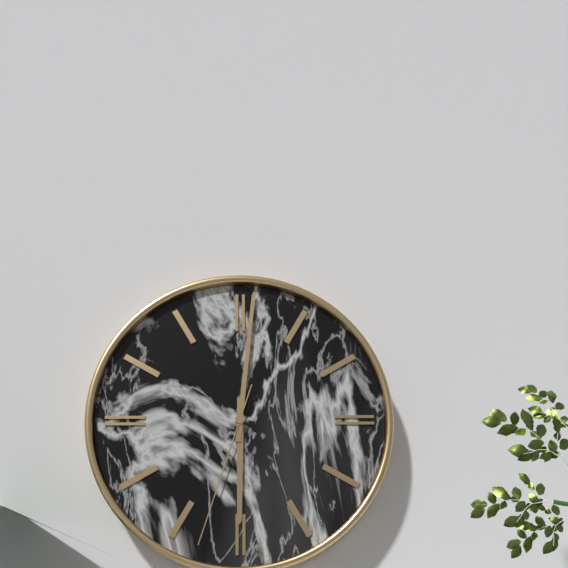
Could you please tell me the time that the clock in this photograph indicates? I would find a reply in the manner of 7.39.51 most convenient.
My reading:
6.01.33
